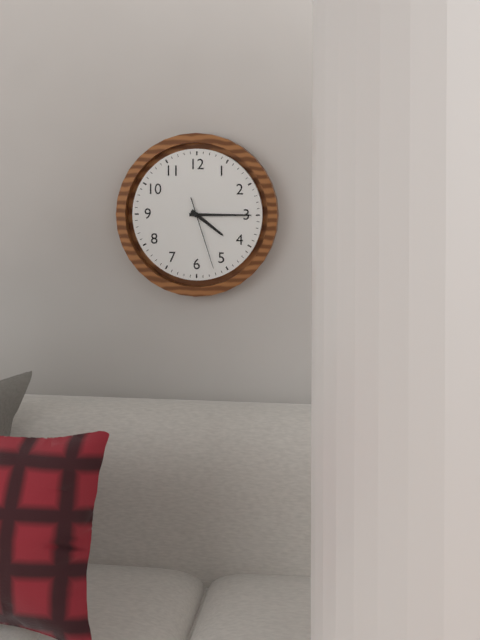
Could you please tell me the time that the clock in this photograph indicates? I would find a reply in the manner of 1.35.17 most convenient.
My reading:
4.15.27
